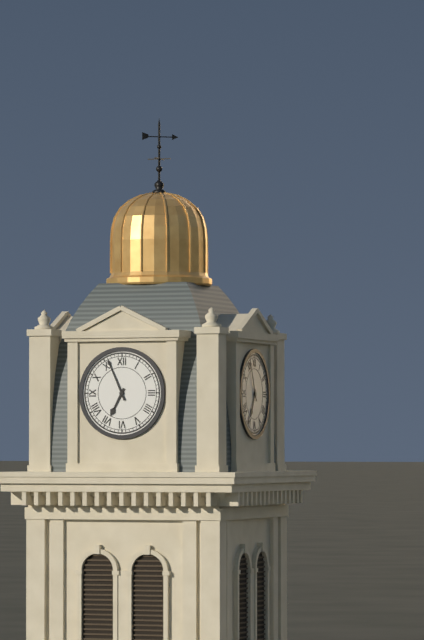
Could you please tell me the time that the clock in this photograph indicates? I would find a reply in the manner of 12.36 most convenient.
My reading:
6.56
